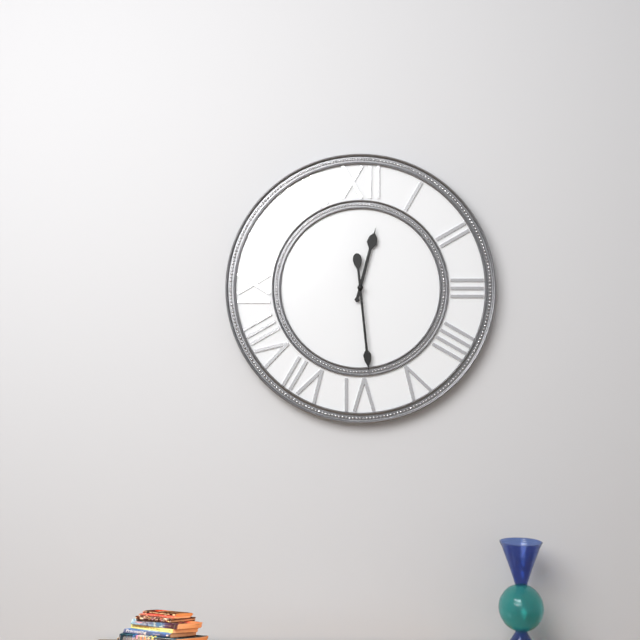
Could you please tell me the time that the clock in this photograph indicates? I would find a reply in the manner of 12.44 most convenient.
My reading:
12.29
